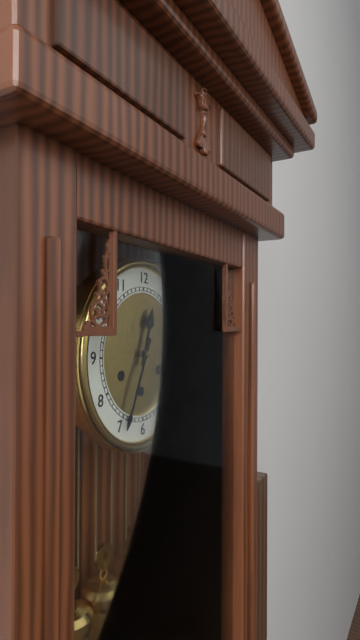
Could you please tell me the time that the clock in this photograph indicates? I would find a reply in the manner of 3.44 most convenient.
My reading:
12.34
